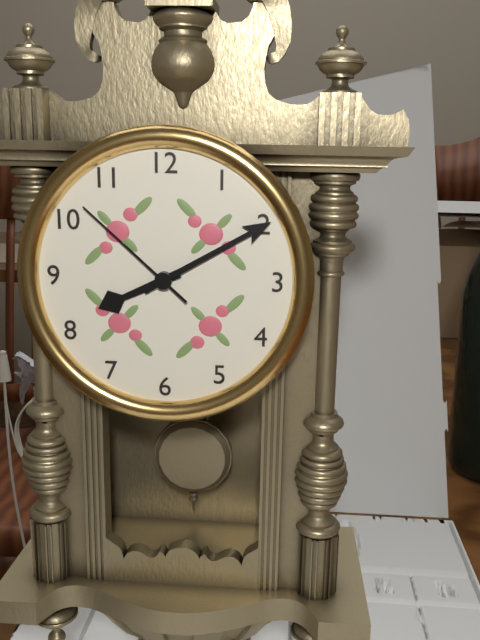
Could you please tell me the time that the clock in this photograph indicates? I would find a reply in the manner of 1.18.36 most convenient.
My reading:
8.10.52
